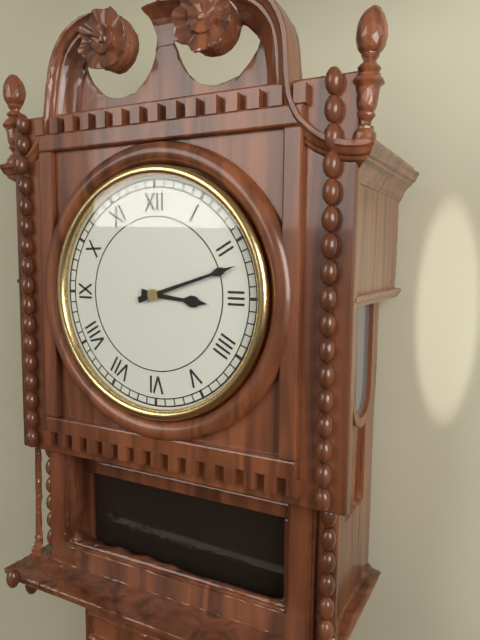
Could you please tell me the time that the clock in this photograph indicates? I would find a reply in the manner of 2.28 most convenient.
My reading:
3.12
